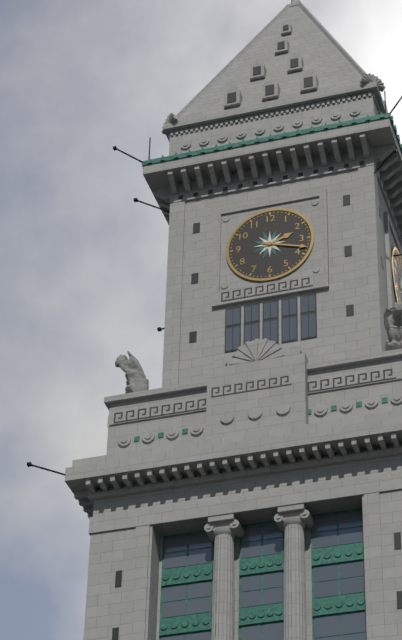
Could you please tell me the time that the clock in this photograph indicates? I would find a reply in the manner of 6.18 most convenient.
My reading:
2.18
